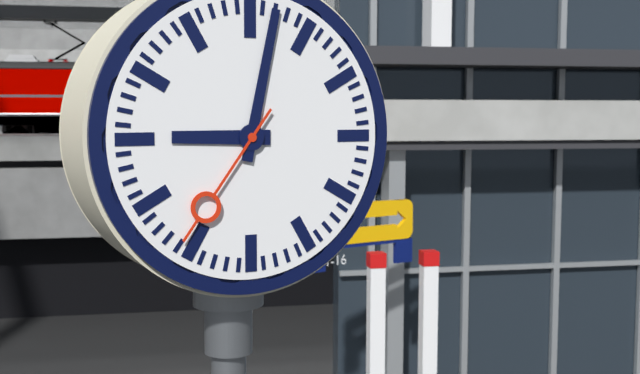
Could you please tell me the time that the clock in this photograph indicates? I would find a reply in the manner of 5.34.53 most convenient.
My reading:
9.02.36
